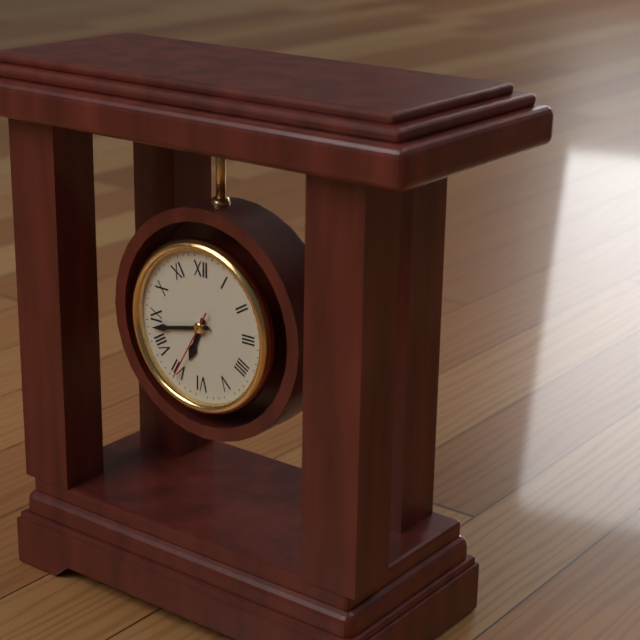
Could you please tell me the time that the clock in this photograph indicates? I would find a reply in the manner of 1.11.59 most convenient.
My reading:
6.43.35
